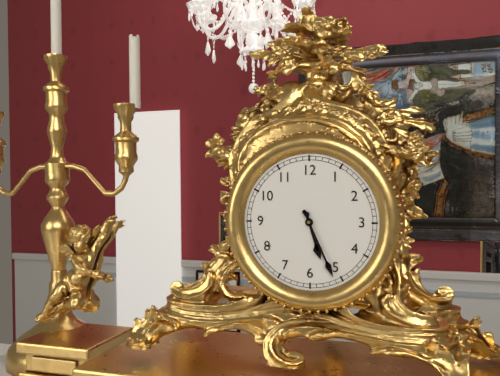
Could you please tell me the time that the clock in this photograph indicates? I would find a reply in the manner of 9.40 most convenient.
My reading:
5.26
